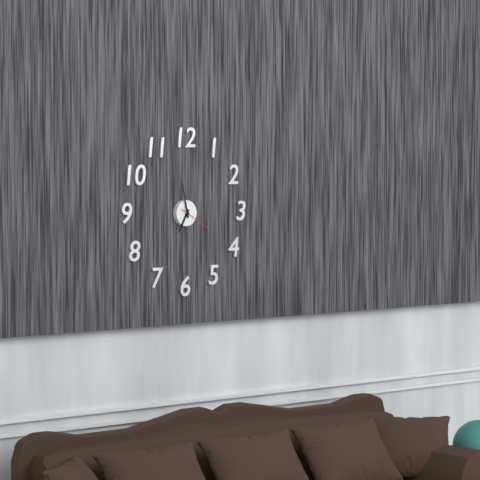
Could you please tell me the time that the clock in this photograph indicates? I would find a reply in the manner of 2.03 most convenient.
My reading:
6.58
